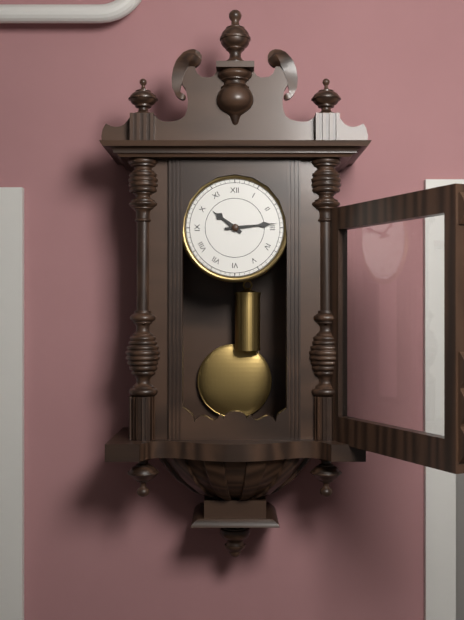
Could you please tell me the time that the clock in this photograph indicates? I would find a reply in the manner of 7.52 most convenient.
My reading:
10.14
